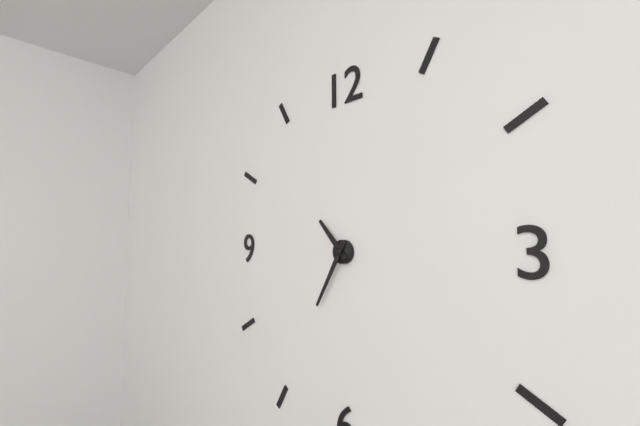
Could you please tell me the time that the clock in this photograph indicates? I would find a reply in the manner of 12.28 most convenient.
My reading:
10.35
